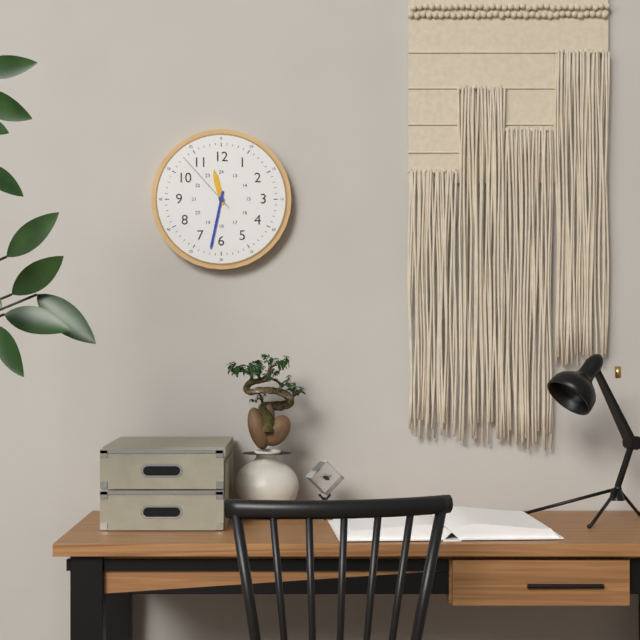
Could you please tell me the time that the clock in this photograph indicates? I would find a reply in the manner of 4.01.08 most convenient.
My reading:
11.32.53
